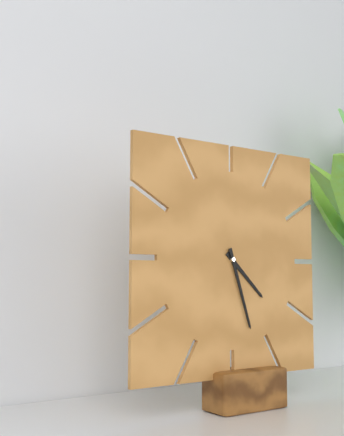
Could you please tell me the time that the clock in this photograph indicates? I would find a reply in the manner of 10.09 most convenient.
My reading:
4.27
